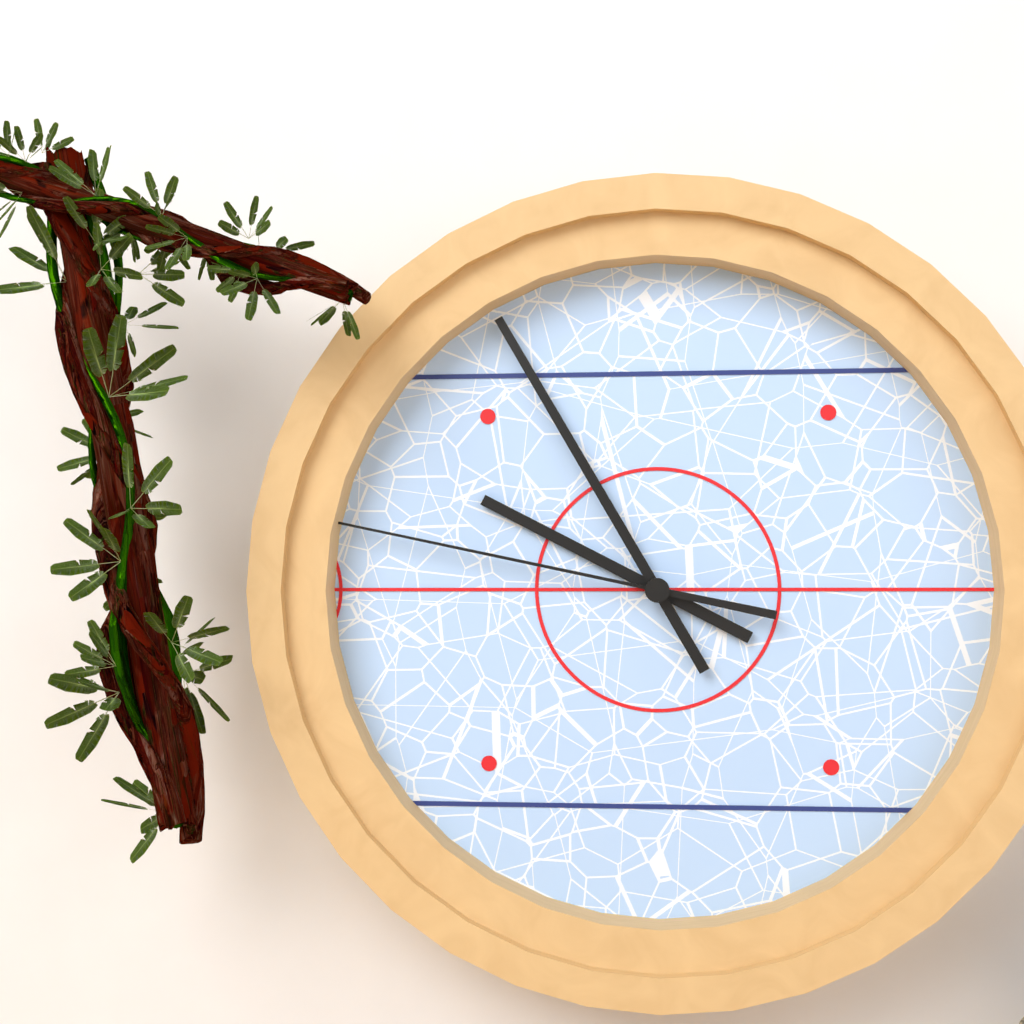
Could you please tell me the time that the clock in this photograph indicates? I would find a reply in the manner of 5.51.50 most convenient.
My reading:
9.55.47
